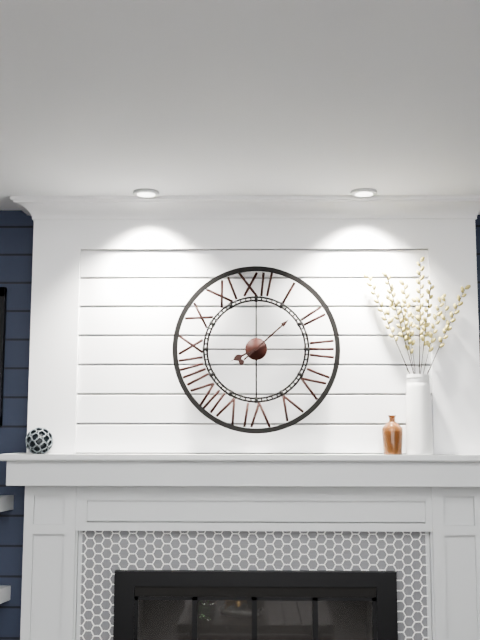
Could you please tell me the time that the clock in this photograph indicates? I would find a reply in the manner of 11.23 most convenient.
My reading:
8.08
